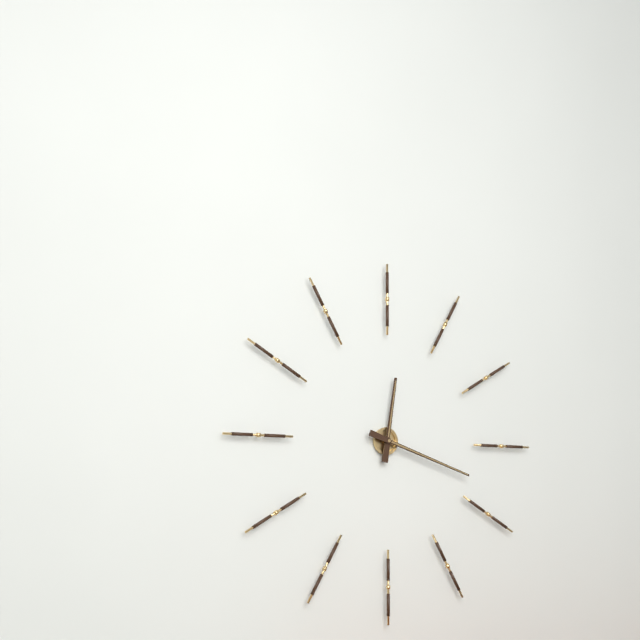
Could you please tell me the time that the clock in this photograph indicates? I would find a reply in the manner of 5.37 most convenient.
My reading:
12.18
